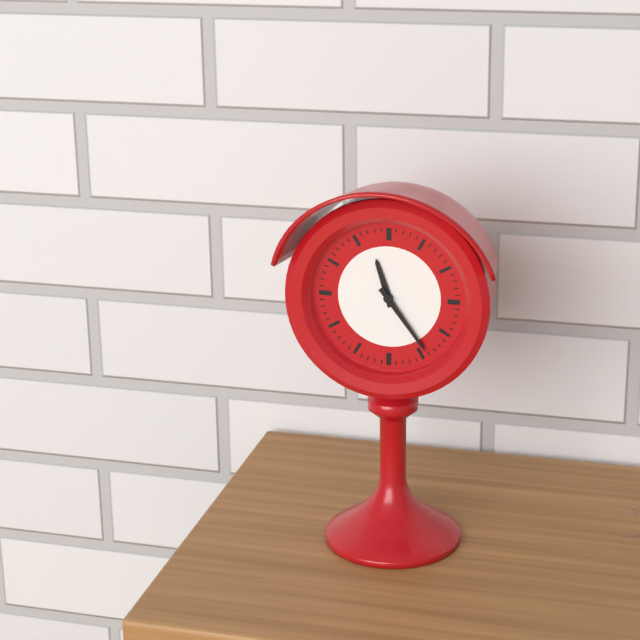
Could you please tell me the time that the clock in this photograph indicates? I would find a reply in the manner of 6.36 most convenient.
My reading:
11.24
